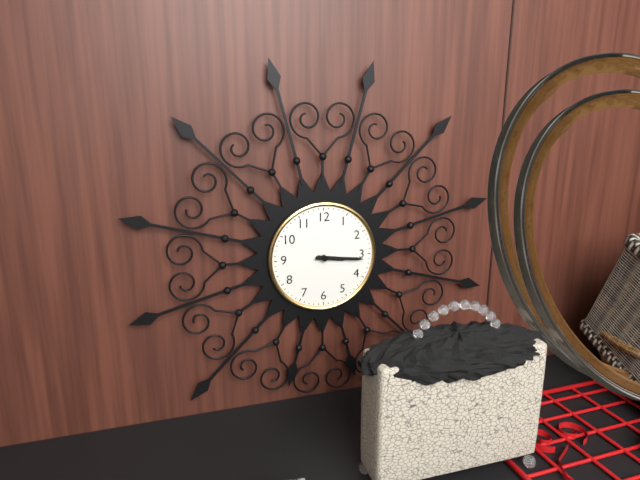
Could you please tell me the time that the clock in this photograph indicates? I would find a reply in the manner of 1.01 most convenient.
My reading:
3.16
